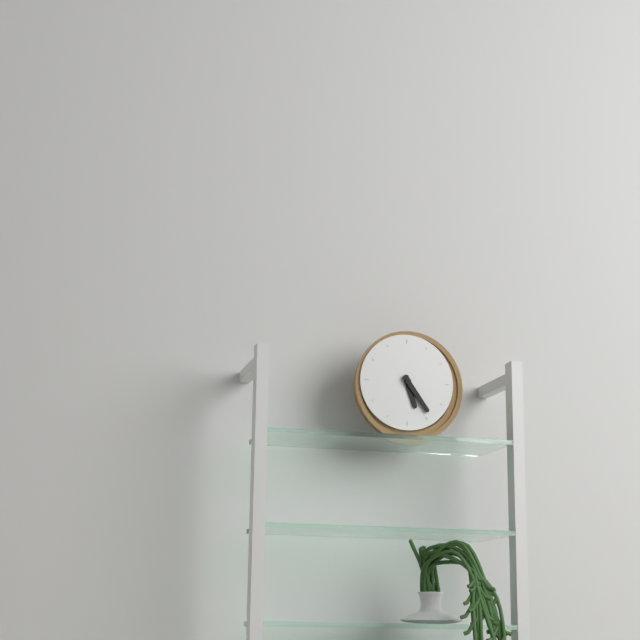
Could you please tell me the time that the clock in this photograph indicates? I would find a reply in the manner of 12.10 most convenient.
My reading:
5.24
